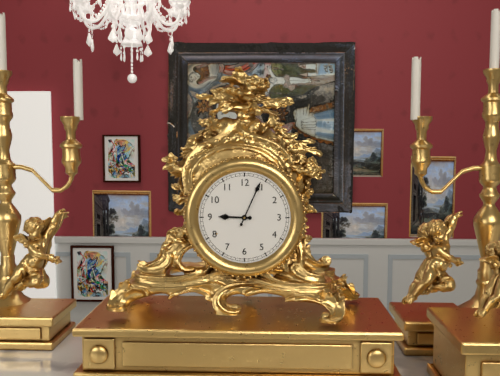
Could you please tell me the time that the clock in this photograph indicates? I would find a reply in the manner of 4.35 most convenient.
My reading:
9.04
